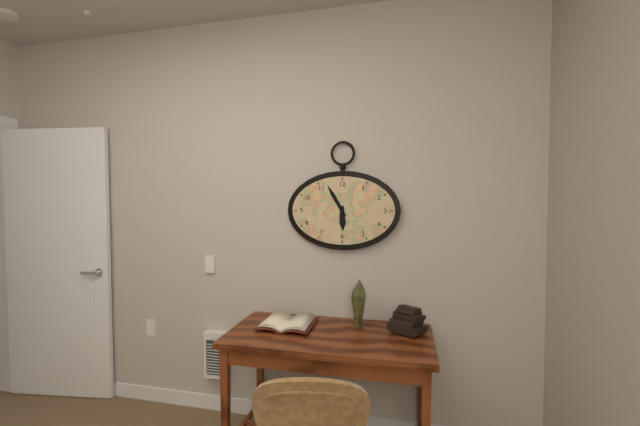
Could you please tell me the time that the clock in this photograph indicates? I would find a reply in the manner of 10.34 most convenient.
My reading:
5.55
